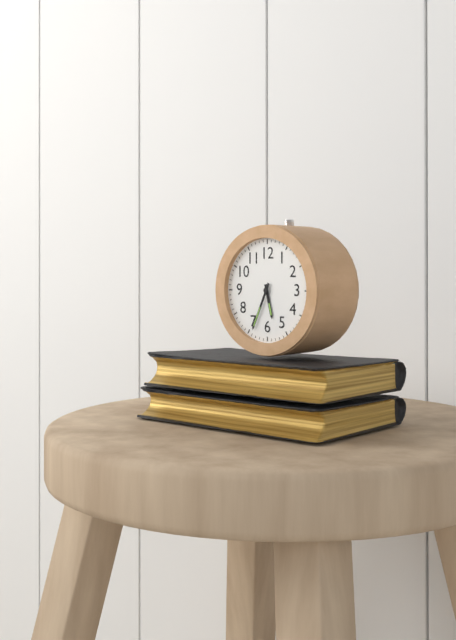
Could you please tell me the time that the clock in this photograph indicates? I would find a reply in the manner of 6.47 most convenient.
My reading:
5.34
